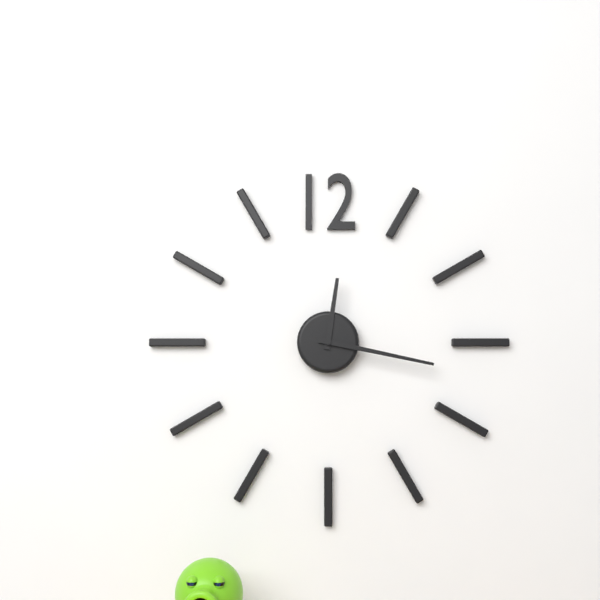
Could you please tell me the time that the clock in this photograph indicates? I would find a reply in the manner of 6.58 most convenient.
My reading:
12.17
